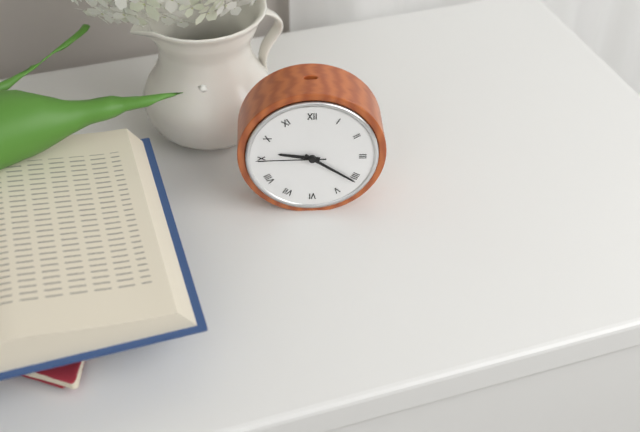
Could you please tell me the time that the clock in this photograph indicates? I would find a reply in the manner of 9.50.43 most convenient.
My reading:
9.21.45
